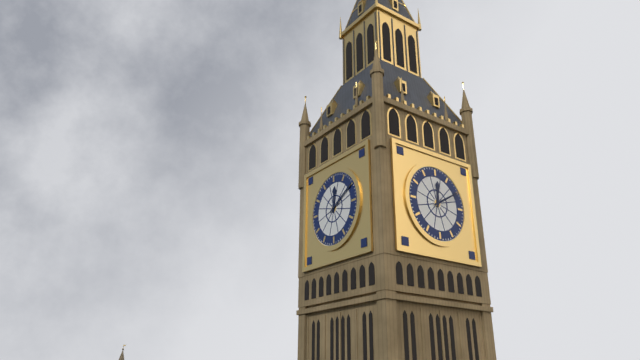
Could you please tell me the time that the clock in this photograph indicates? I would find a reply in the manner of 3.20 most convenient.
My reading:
12.10
